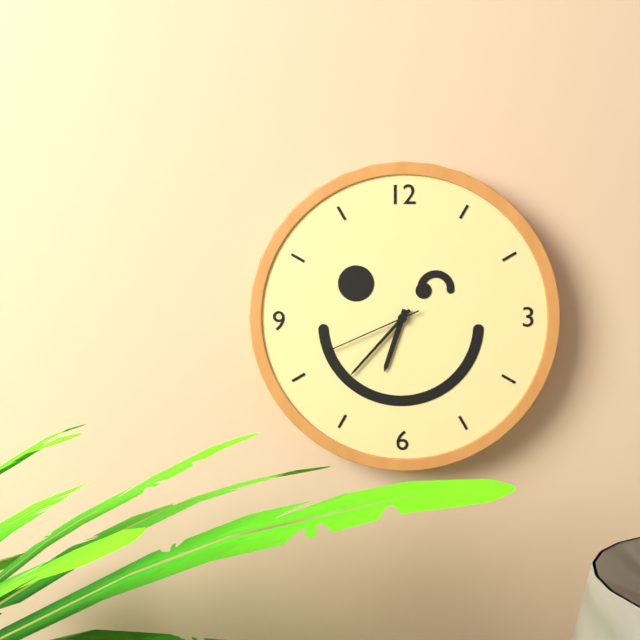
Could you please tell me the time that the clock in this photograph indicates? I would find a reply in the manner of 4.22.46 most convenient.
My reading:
6.37.41
